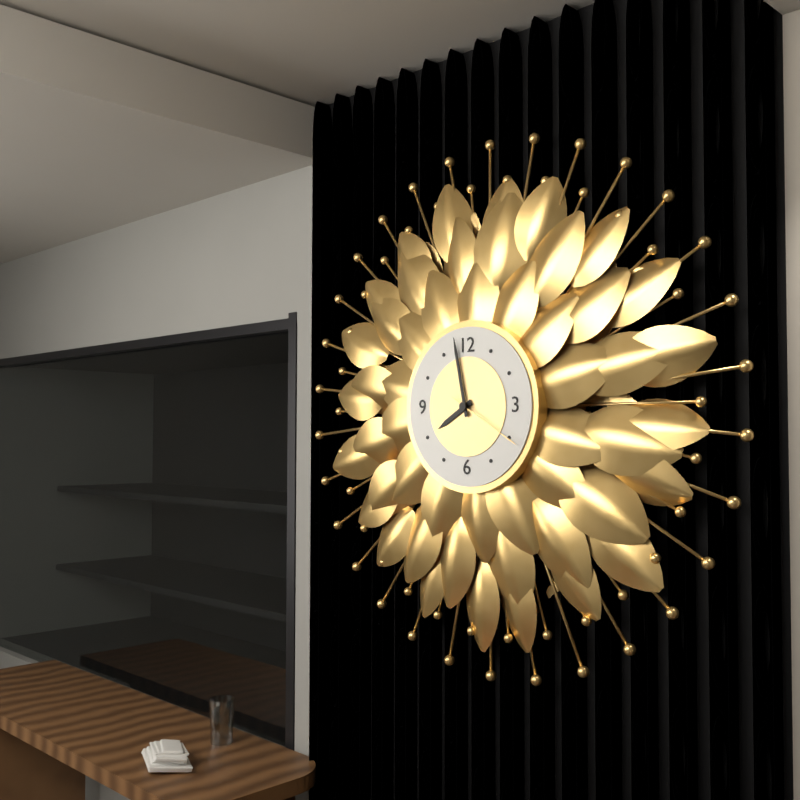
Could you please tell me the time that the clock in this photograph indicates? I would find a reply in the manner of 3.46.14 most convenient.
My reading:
7.58.20
